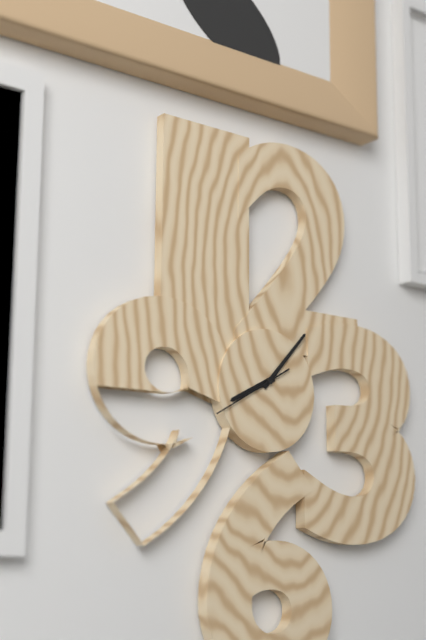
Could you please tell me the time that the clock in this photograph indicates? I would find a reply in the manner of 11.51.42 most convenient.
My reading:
8.07.40
